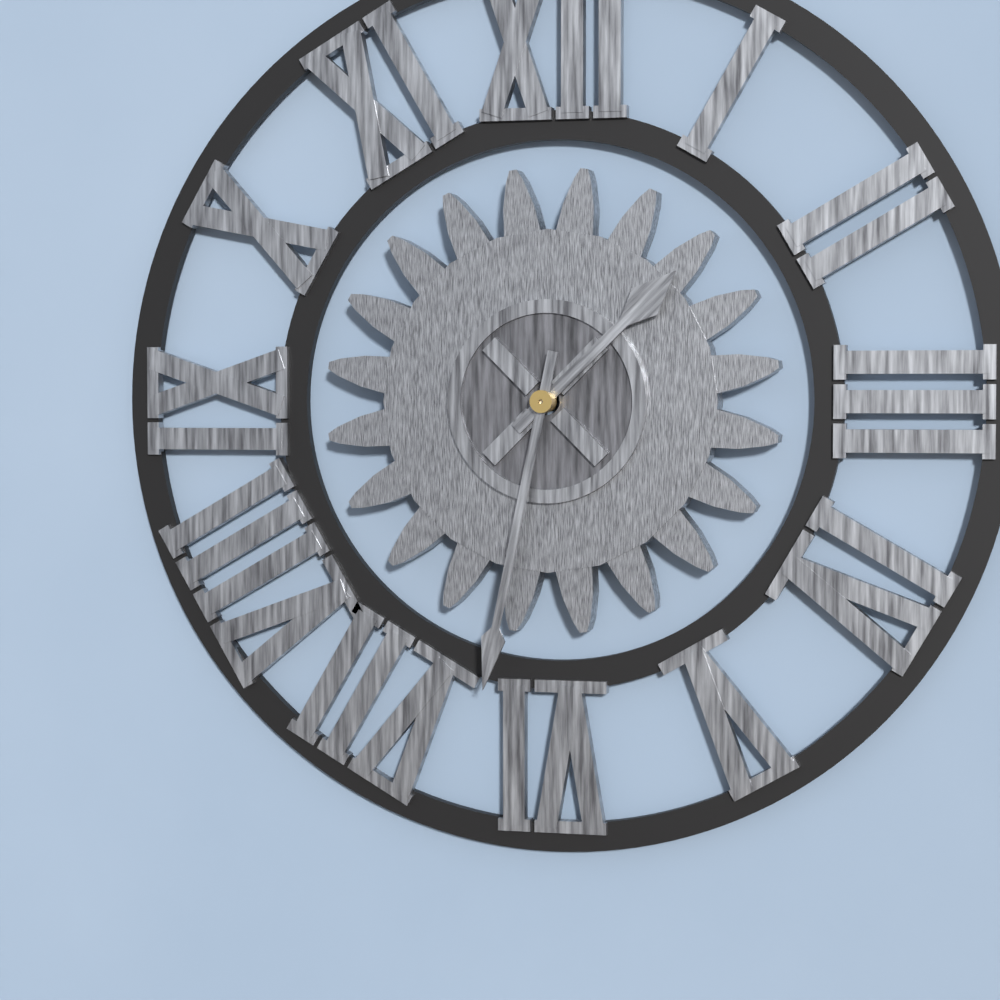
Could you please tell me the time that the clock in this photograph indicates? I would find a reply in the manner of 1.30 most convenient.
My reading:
1.32
